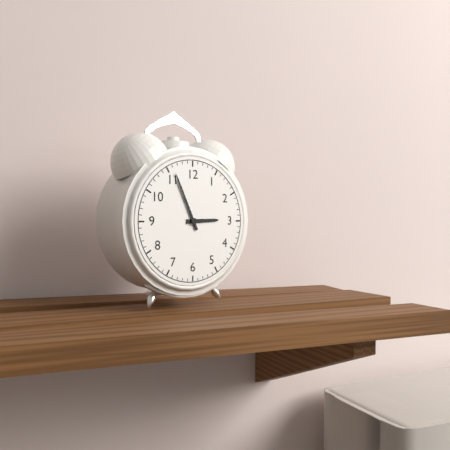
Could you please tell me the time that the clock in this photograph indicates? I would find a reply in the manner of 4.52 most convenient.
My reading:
2.56
